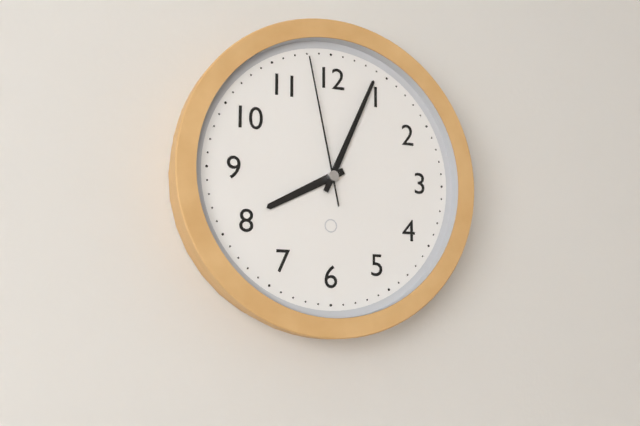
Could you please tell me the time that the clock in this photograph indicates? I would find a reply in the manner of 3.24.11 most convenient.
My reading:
8.04.58
